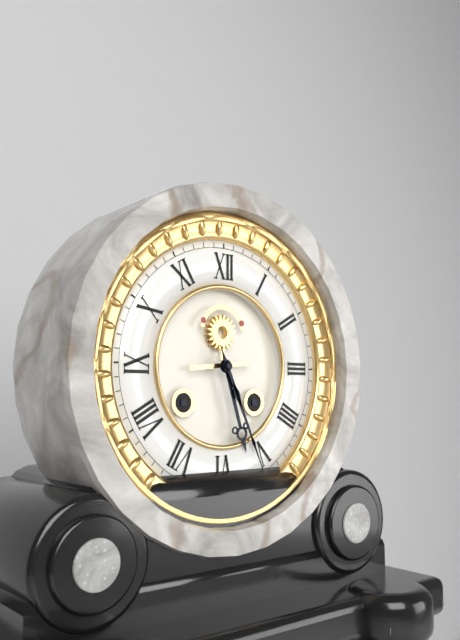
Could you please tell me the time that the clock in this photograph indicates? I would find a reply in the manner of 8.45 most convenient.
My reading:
5.26
